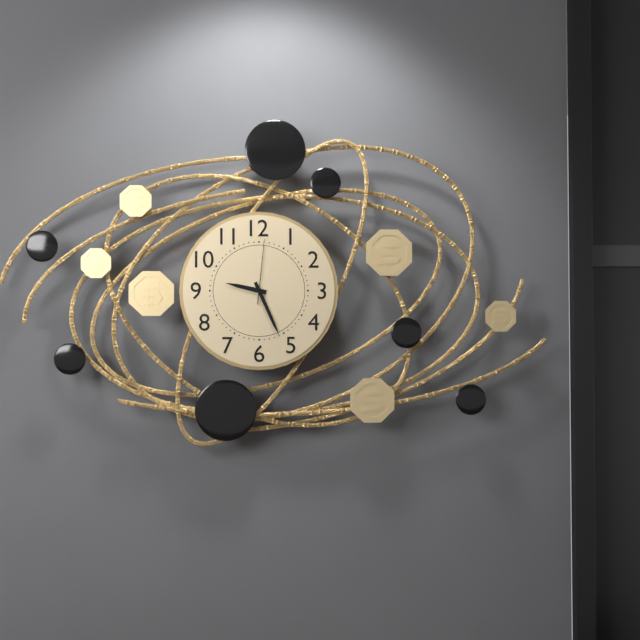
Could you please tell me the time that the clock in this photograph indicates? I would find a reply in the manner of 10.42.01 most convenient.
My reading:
9.26.01
